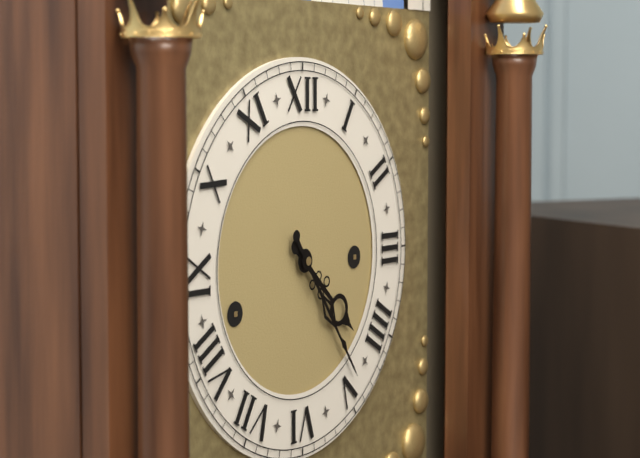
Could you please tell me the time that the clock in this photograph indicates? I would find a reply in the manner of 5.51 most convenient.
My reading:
4.24
